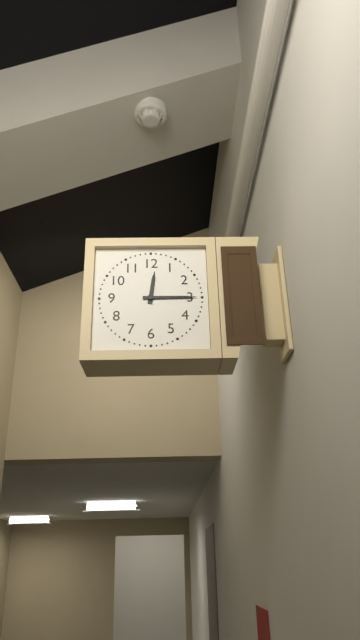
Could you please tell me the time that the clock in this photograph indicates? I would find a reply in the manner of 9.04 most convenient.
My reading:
12.15
